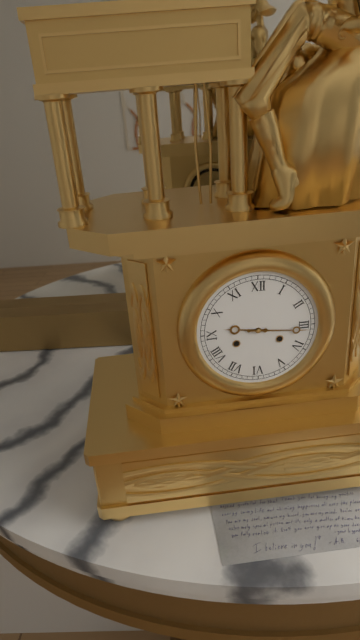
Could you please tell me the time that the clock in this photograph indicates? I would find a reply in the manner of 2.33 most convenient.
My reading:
9.16
